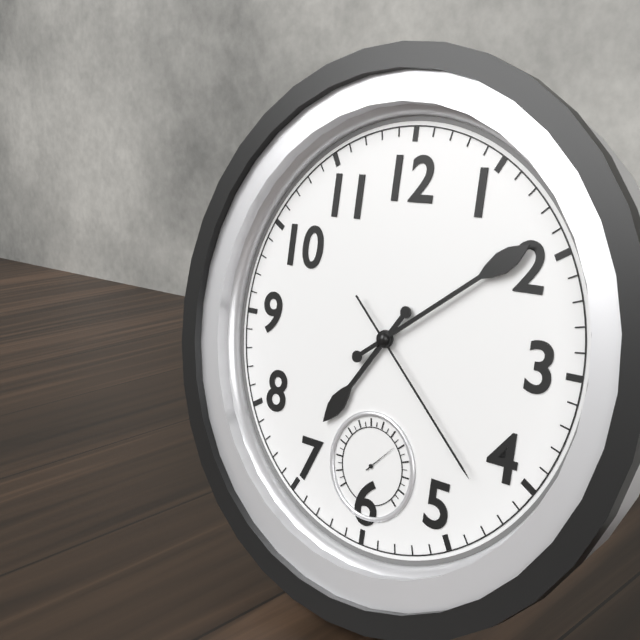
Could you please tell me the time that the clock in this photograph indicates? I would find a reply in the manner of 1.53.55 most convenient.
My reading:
7.09.22
